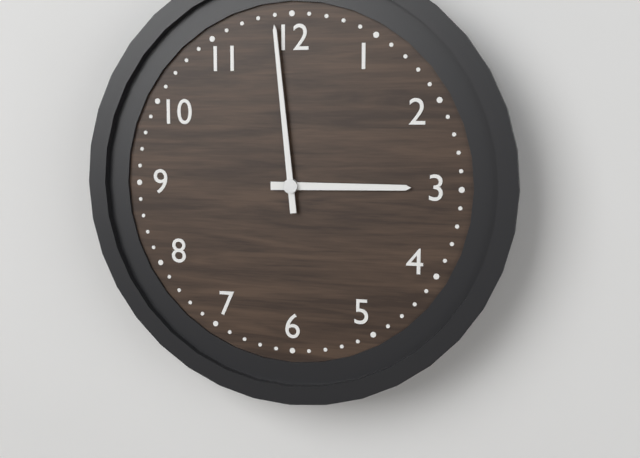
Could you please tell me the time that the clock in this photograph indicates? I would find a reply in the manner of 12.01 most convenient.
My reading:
2.59
